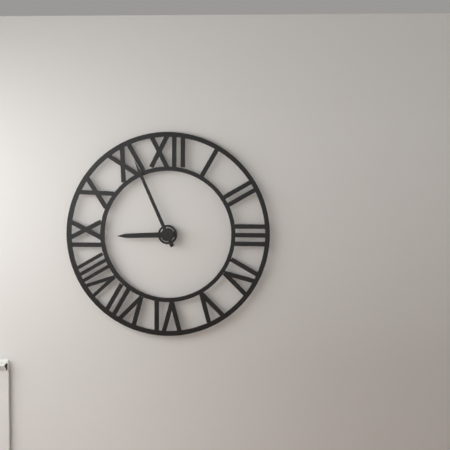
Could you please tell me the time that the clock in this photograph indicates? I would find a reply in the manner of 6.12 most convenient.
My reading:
8.56
